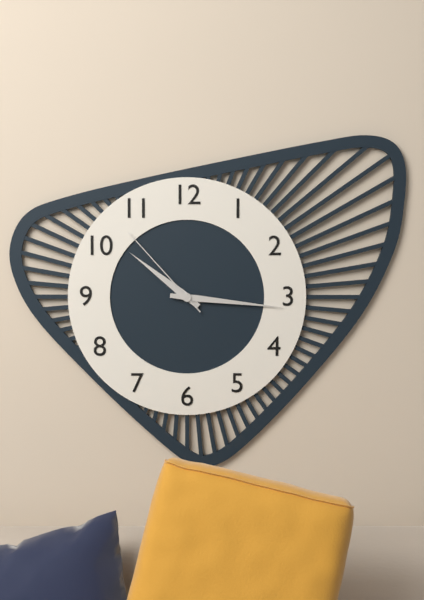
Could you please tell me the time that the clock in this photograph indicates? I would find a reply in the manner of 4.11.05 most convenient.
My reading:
10.16.53
